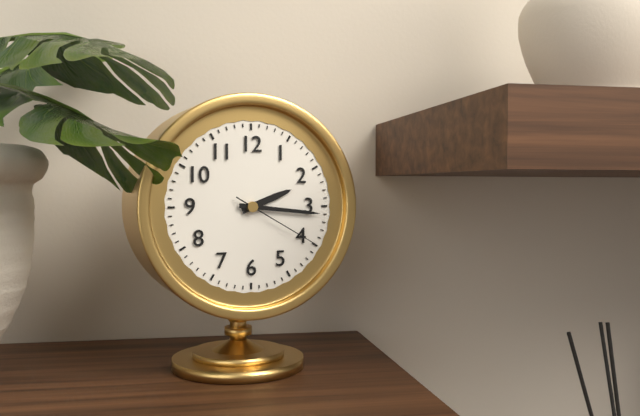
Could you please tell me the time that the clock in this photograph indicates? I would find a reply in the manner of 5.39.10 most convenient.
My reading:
2.16.20
